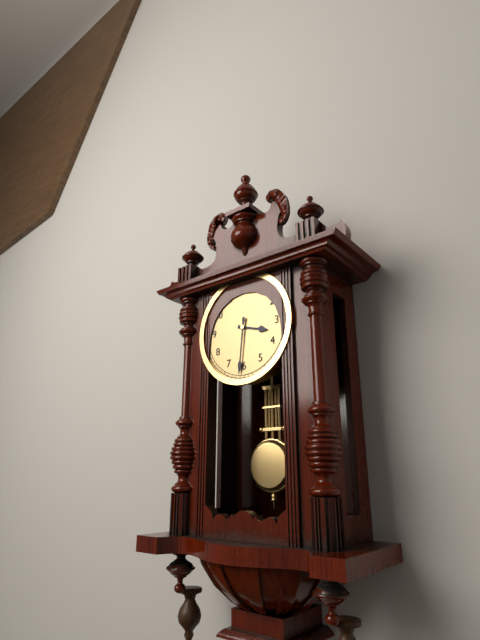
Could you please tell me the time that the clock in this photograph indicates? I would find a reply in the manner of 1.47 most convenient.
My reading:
3.31
